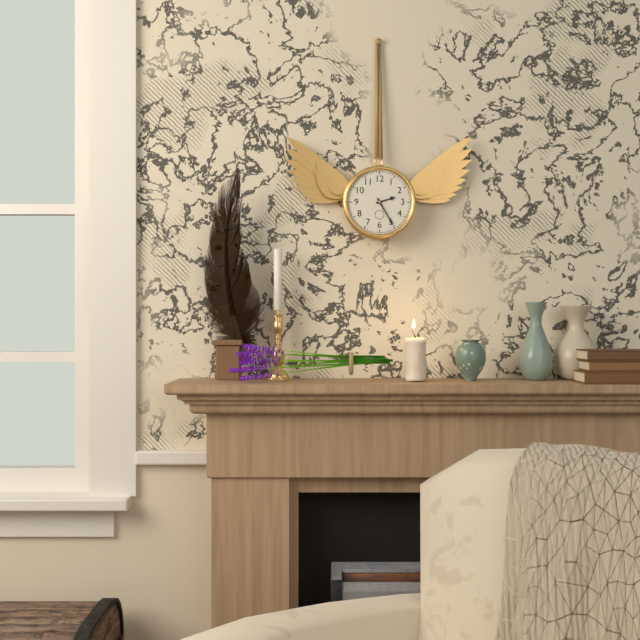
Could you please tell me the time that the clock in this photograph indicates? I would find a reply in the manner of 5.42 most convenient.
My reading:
2.25
